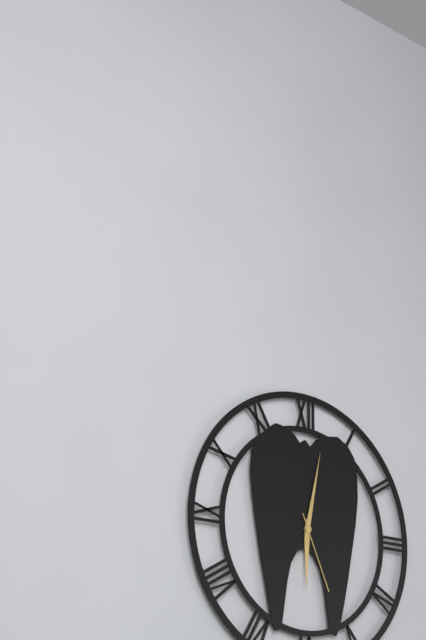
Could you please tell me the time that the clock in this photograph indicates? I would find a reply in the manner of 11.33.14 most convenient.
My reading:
6.02.26
